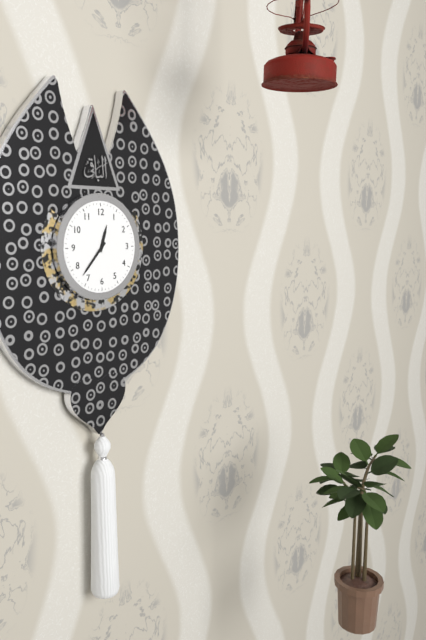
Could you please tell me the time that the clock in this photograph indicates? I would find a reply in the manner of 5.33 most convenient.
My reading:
12.37
